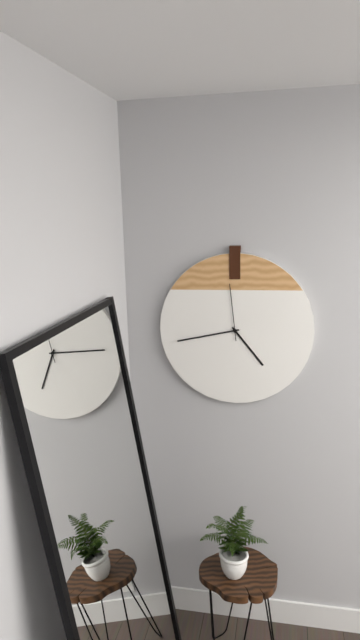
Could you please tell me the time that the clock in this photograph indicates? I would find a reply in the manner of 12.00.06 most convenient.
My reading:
4.43.59
